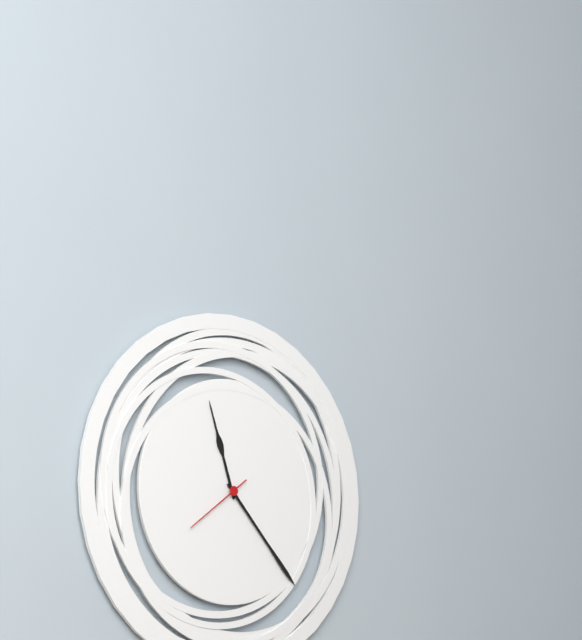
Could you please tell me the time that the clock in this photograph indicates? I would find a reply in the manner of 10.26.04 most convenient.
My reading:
11.23.39
